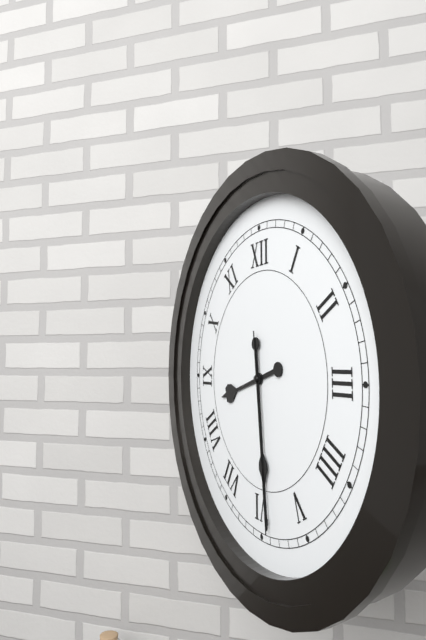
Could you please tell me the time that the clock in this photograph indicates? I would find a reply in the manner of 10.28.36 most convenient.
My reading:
8.29.29
